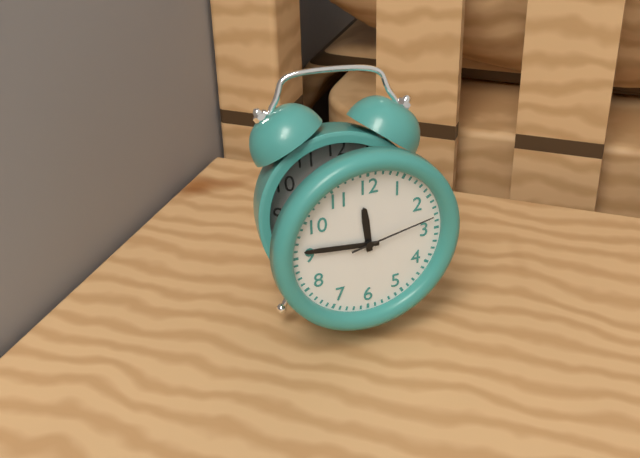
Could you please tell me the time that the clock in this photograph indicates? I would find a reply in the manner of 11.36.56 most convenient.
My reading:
11.46.13
